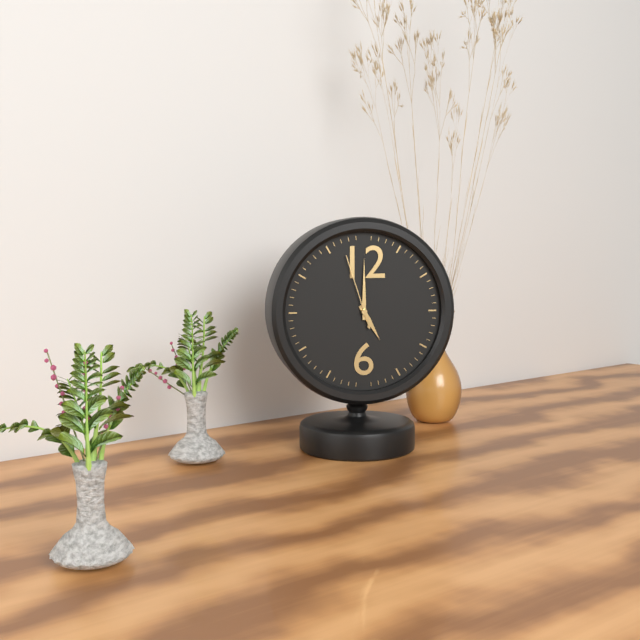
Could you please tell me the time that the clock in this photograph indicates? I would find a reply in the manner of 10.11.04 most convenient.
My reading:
5.00.57
